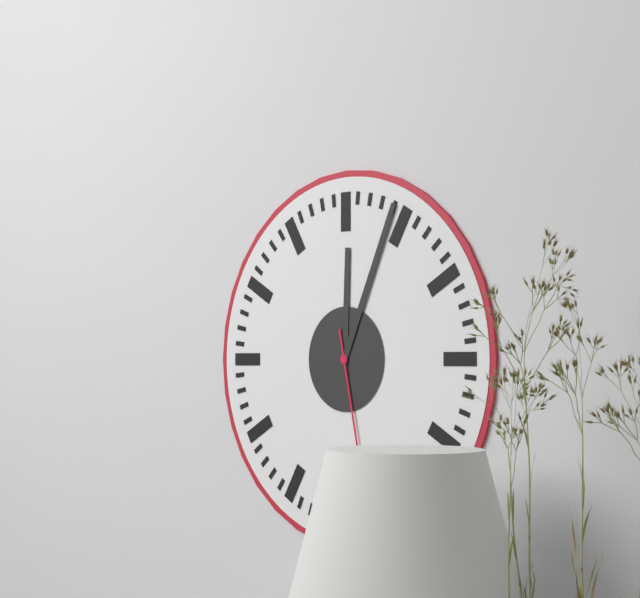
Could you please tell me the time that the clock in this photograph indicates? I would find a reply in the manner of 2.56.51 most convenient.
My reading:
12.04.28
